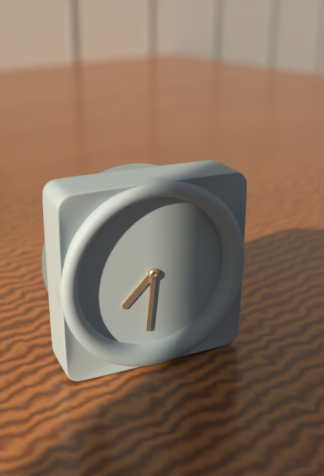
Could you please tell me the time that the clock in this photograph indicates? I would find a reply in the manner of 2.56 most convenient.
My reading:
7.31
